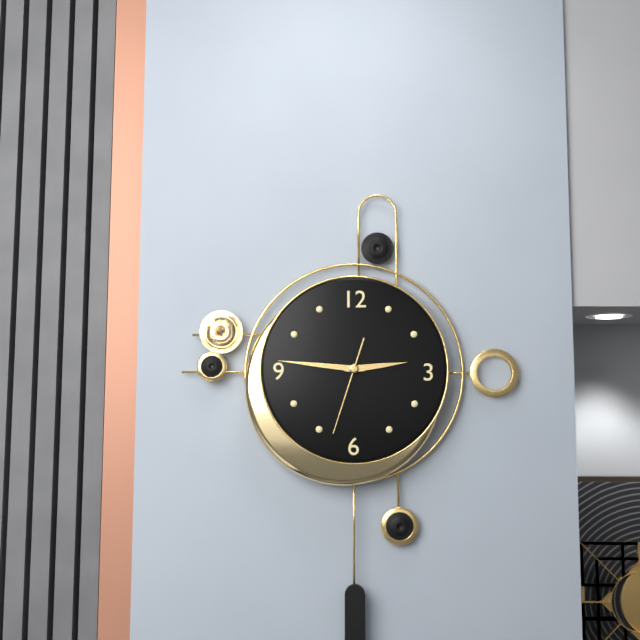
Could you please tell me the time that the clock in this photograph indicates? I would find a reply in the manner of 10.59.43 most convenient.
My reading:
2.46.33
